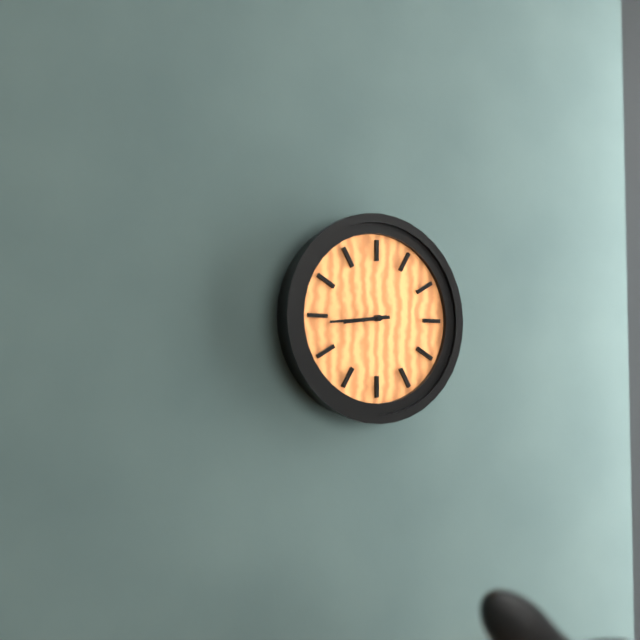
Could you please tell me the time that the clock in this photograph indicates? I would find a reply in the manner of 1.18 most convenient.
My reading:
8.44
